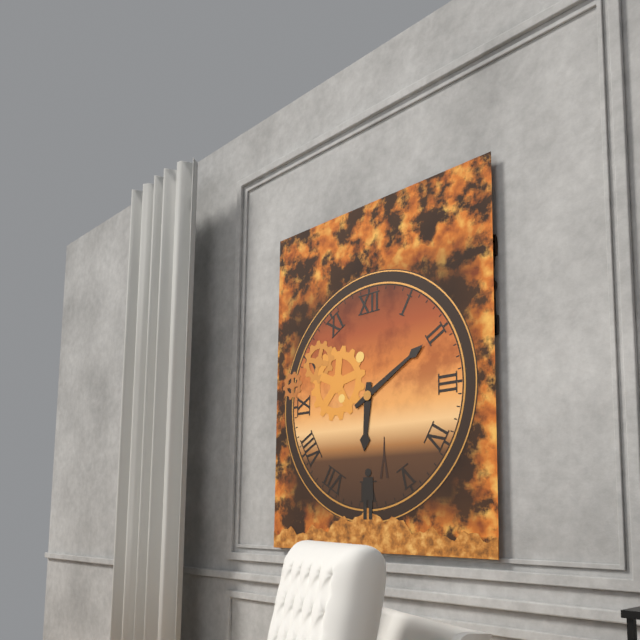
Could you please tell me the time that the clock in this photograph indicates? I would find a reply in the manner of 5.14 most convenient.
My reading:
6.10
